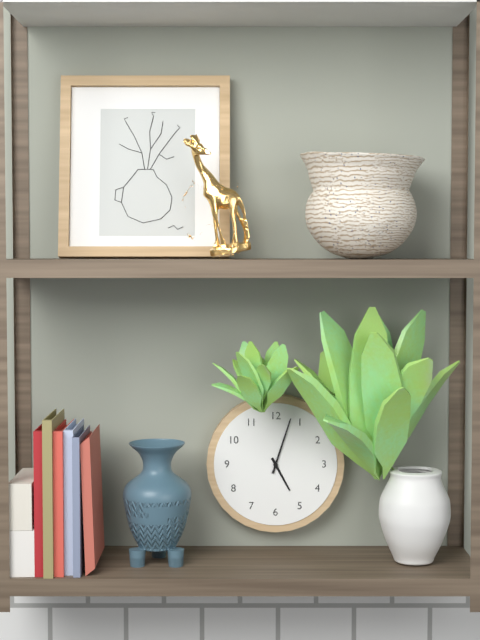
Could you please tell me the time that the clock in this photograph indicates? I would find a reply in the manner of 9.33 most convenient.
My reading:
5.03
